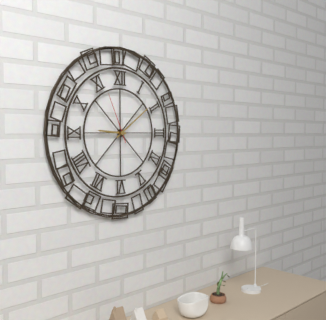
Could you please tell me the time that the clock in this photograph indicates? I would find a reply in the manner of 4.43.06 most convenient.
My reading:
9.09.56
